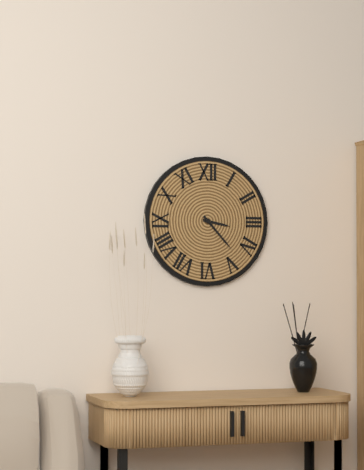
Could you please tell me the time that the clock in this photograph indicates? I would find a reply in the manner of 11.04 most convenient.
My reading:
3.23
